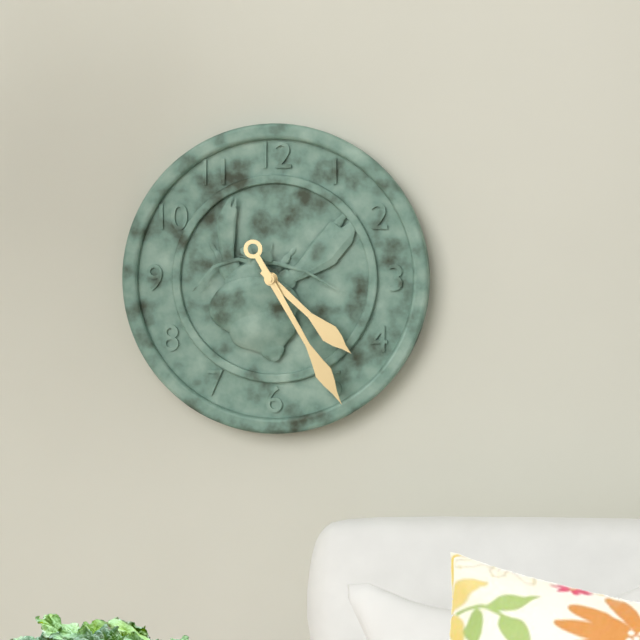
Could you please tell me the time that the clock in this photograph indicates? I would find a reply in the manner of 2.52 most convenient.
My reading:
4.25
